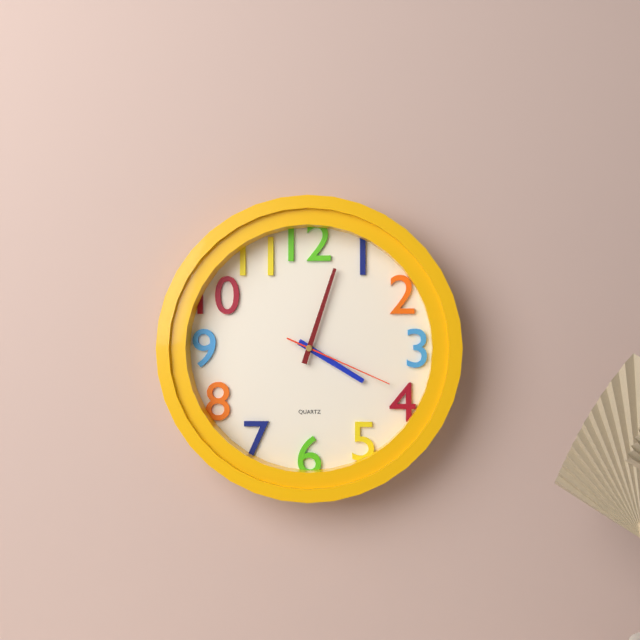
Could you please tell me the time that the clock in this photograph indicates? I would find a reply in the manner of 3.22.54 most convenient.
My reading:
4.03.19
